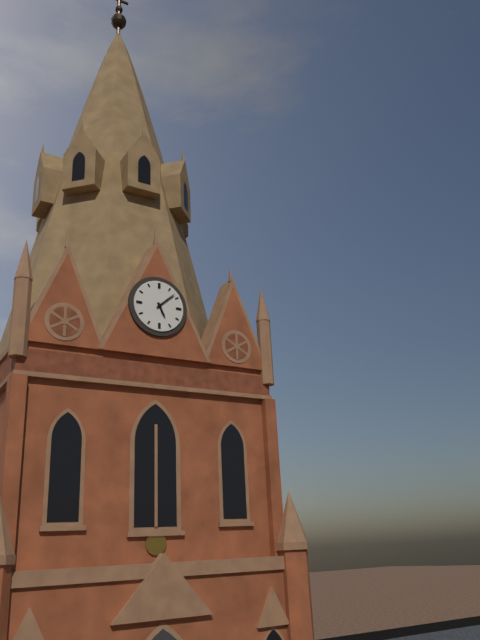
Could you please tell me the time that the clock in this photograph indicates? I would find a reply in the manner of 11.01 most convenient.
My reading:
5.08
